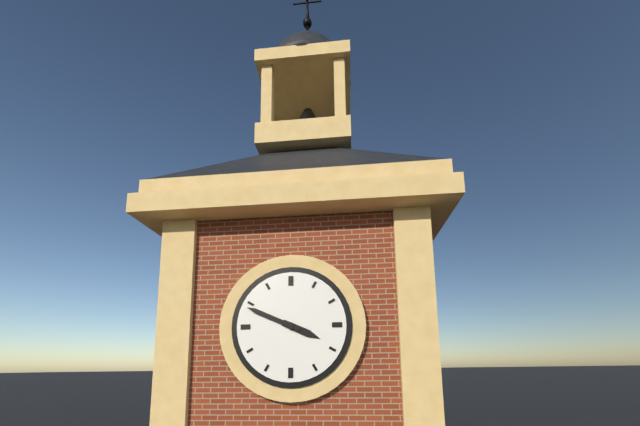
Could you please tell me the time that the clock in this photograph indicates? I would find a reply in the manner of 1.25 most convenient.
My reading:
3.49
